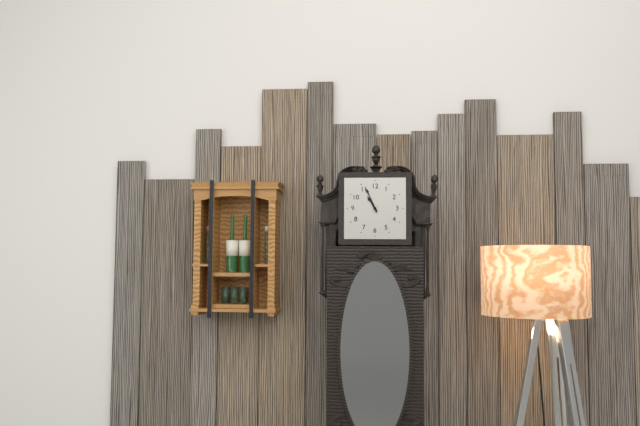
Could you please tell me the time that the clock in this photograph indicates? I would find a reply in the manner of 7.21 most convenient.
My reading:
10.56
